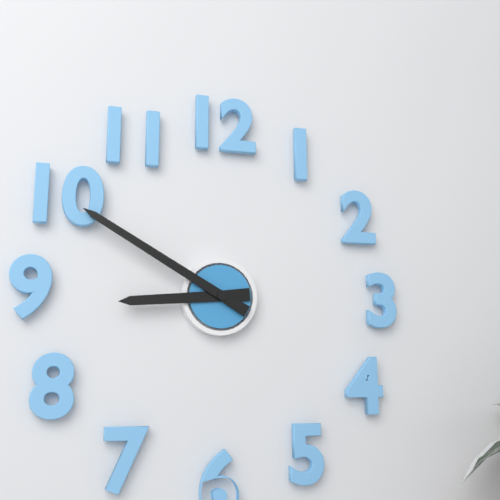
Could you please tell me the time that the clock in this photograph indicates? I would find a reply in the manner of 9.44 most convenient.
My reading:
8.50
